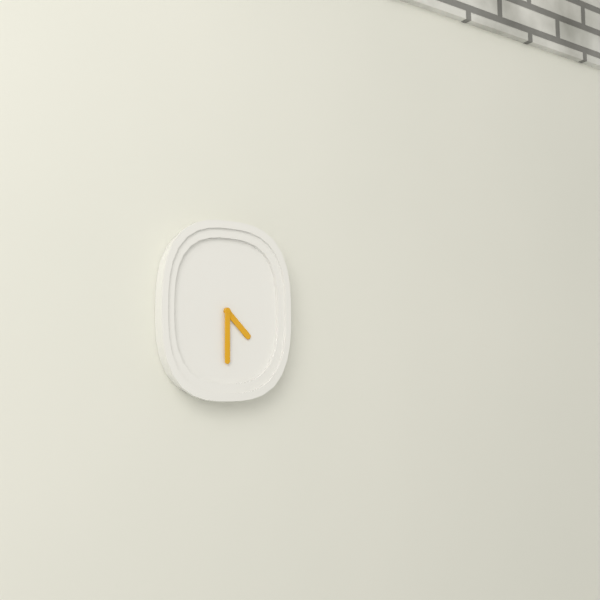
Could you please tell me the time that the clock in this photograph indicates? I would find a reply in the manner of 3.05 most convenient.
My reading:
4.30
